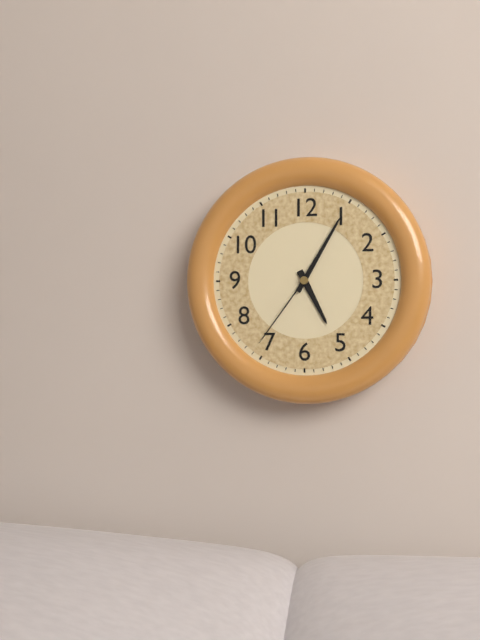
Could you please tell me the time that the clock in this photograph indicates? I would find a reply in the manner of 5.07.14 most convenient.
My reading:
5.05.36
